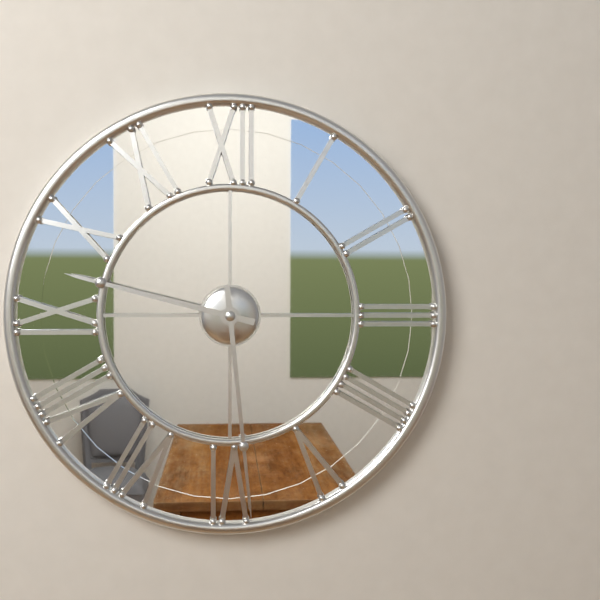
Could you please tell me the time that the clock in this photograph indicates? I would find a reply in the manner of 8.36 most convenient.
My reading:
9.29
